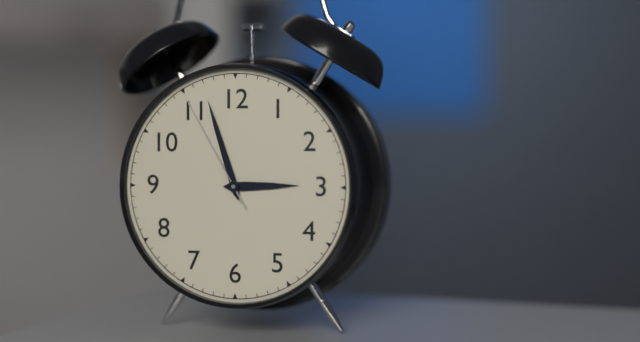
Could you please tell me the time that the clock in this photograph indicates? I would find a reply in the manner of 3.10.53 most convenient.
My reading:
2.57.55
